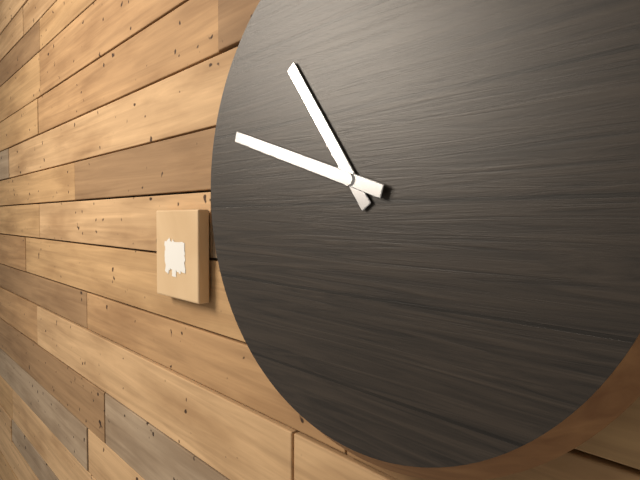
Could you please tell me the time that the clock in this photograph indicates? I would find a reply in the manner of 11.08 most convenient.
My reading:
10.48
